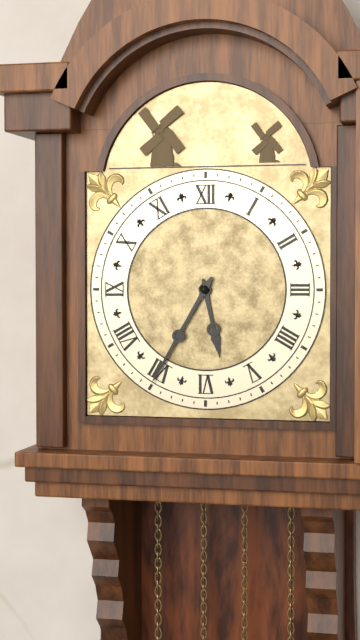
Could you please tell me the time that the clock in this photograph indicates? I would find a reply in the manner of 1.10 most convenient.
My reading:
5.35
